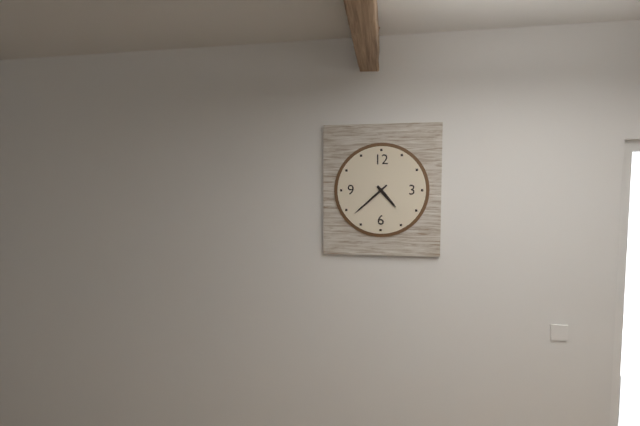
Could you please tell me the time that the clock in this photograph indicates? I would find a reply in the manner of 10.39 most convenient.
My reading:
4.38
